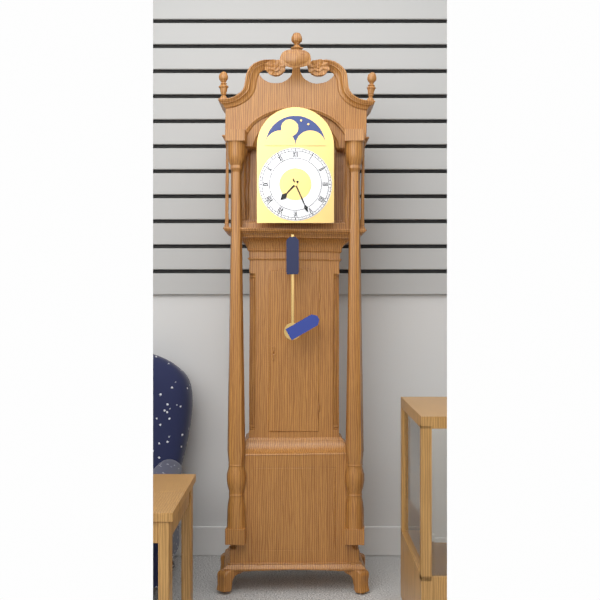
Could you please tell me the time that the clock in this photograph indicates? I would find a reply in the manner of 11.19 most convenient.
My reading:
7.26
